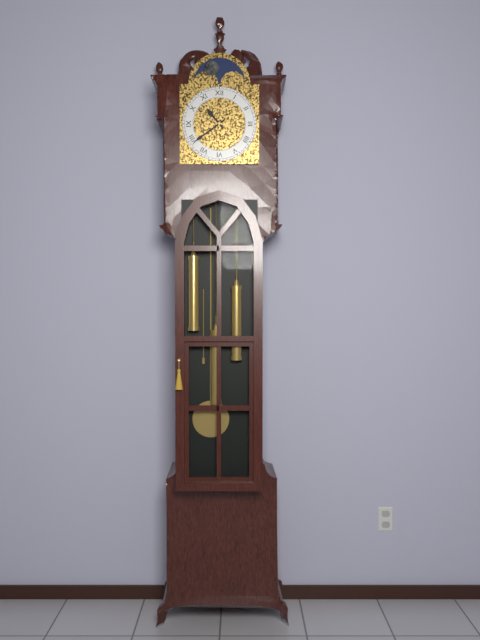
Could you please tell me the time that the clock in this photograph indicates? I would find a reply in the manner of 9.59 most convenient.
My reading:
10.39
